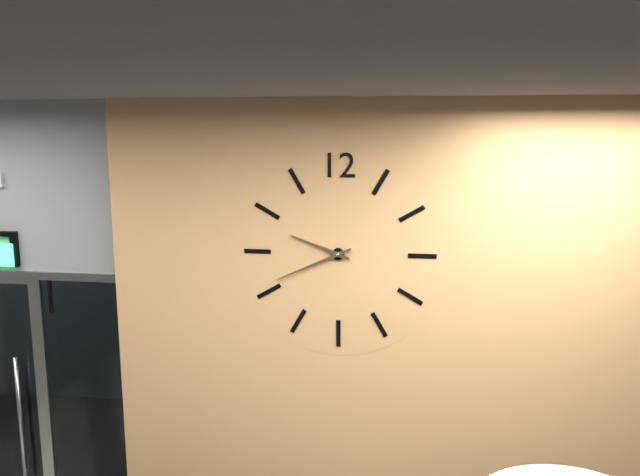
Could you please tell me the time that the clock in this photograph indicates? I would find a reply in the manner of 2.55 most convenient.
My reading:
9.41
